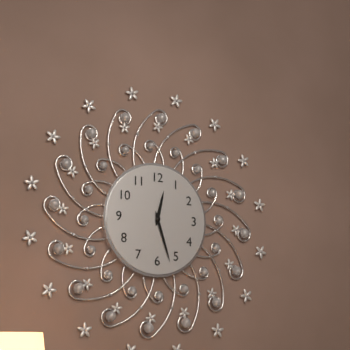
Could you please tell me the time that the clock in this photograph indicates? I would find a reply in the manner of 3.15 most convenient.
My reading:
12.27
